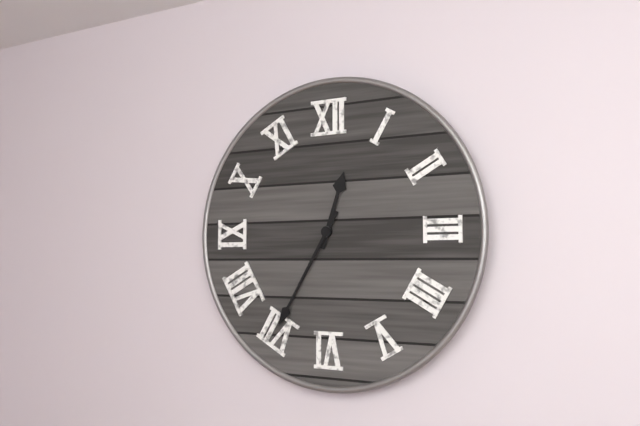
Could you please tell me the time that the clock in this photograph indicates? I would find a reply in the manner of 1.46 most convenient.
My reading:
12.35
